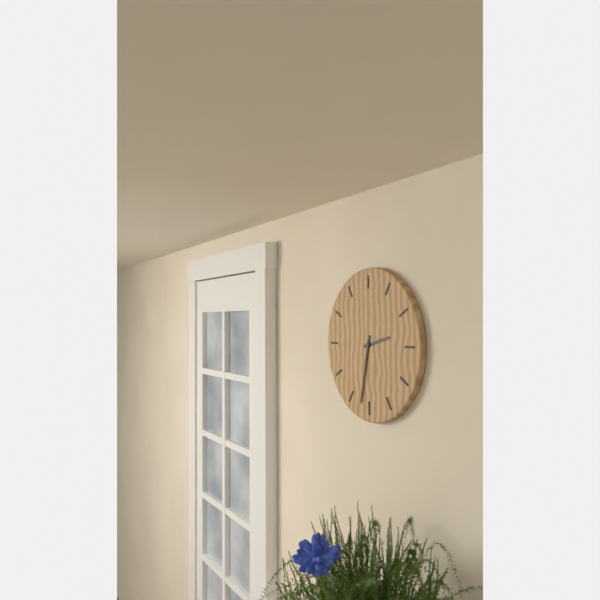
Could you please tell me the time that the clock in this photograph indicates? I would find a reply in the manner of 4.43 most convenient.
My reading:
2.32
